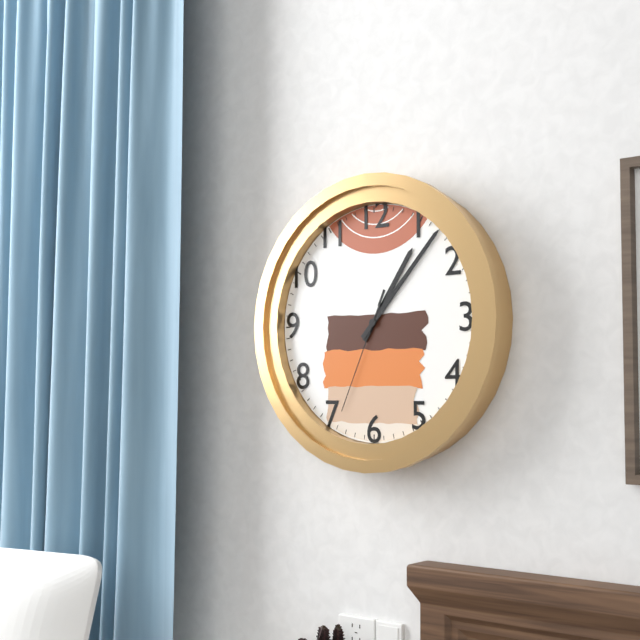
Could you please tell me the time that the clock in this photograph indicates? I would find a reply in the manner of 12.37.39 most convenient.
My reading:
1.07.34
